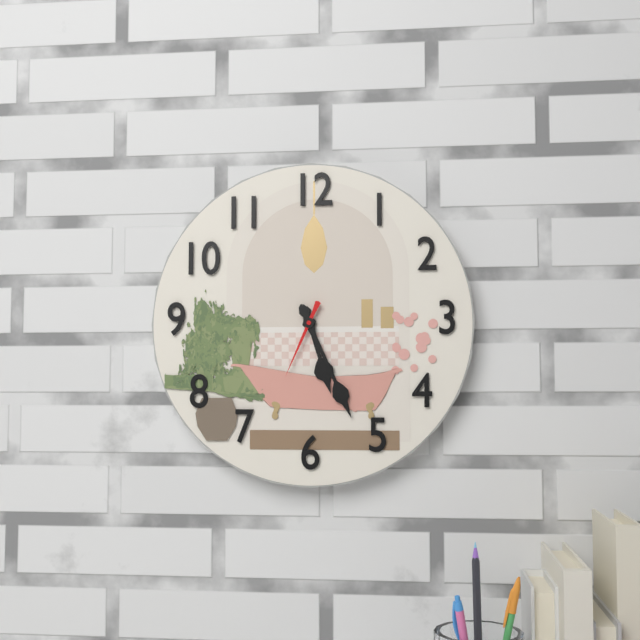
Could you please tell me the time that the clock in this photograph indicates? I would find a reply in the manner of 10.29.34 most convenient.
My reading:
5.26.34
